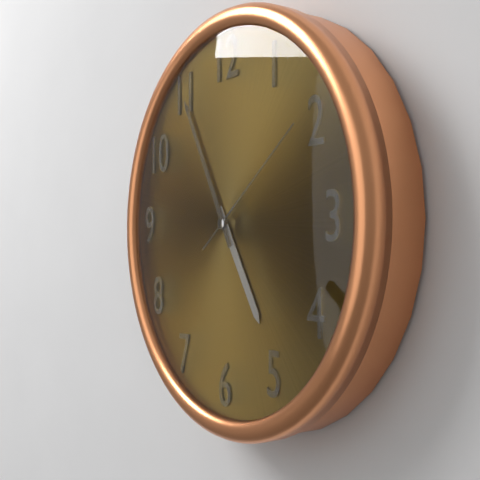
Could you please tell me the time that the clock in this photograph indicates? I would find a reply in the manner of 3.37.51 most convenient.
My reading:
4.55.09
